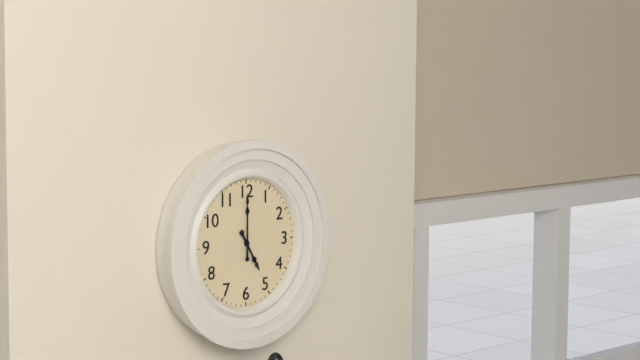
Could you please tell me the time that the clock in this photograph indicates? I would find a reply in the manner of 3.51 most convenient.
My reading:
5.00
